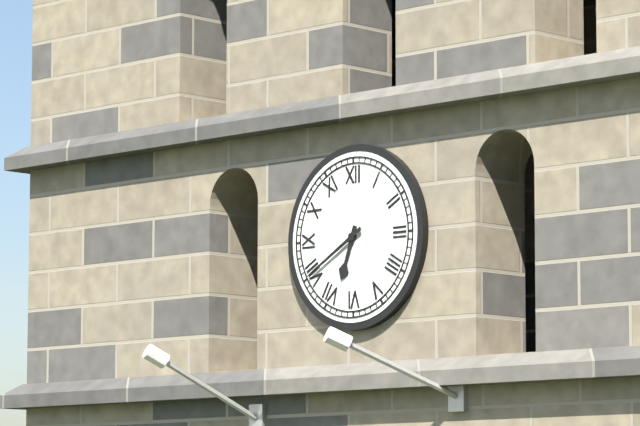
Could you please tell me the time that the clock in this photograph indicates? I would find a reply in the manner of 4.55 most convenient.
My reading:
6.40
